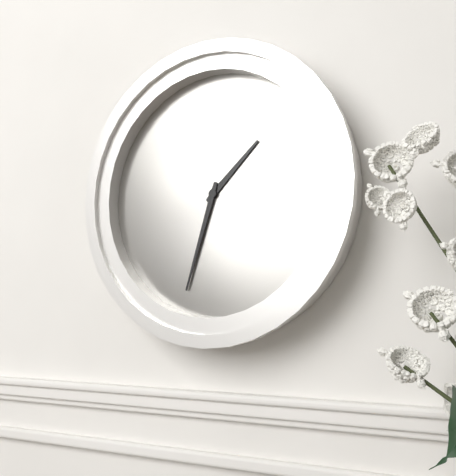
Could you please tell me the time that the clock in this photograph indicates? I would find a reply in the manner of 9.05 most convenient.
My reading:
1.33
